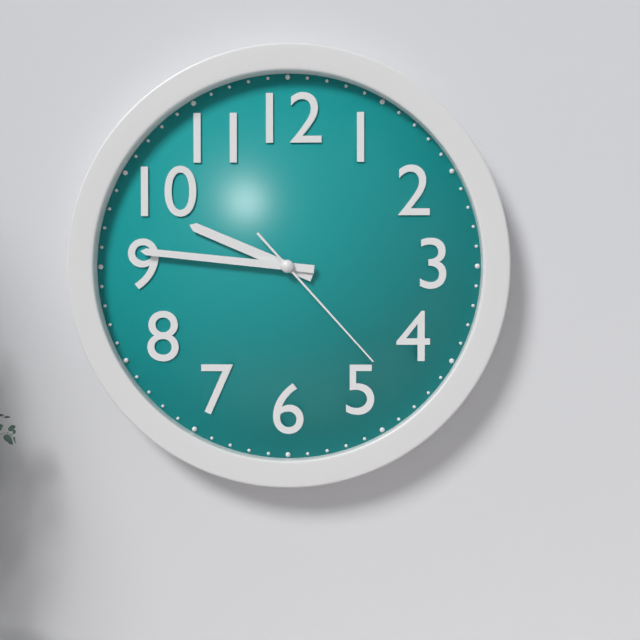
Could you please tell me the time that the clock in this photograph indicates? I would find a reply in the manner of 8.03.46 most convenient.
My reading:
9.46.23
